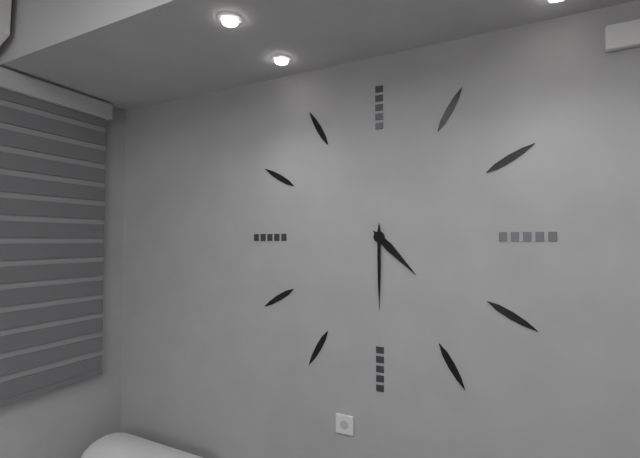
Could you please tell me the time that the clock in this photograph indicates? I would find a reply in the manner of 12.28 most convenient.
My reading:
4.30
